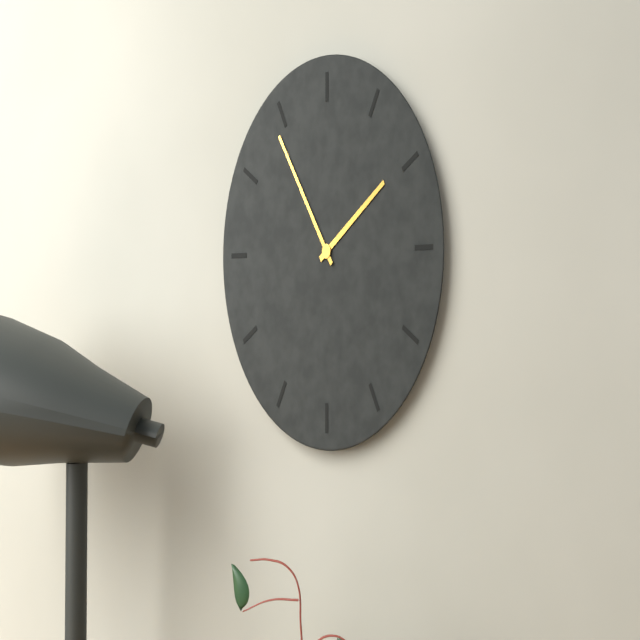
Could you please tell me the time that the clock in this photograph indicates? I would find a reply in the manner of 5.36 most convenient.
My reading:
1.54
